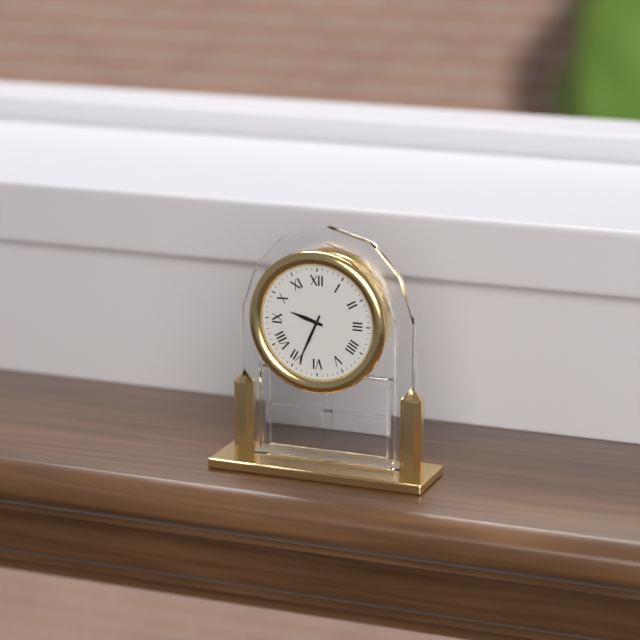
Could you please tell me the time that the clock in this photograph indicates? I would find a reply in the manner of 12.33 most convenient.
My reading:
9.34
